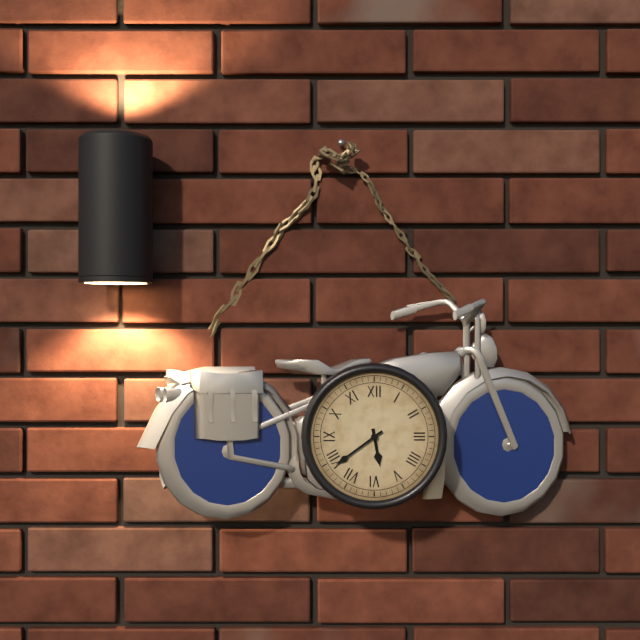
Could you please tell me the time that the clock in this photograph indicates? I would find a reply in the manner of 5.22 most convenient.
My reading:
5.39
